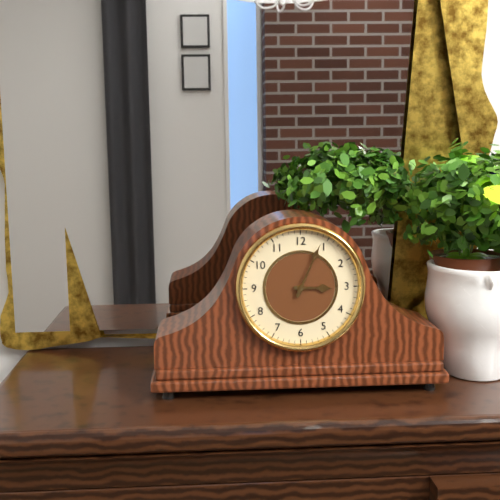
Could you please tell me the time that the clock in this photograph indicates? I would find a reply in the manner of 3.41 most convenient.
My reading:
3.04
